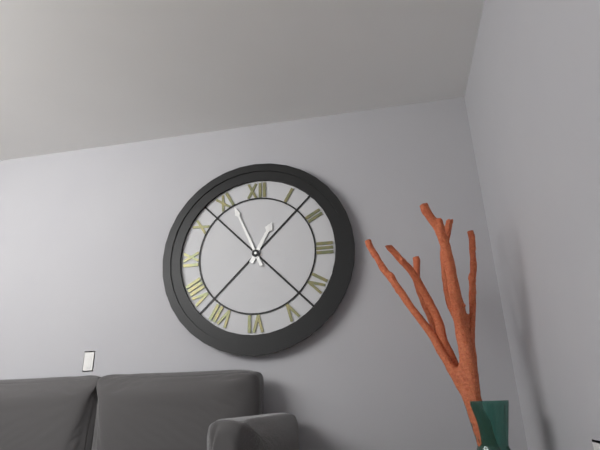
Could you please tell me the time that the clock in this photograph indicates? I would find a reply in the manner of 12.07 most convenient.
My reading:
12.56
